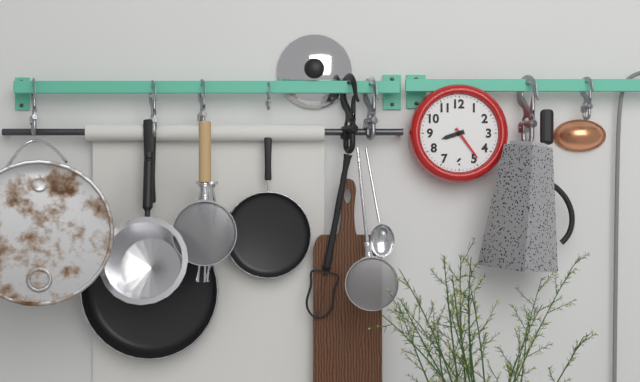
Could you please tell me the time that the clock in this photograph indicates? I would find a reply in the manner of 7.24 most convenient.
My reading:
8.24
